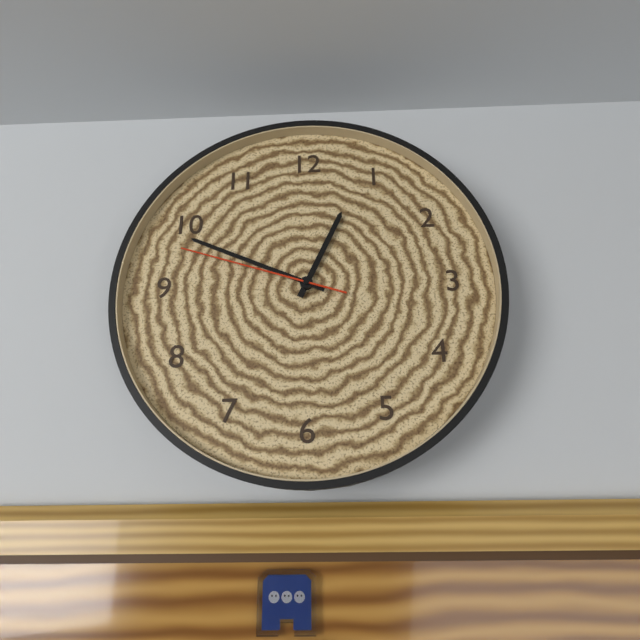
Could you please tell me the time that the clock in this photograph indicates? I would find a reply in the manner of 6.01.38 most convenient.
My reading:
12.49.48
